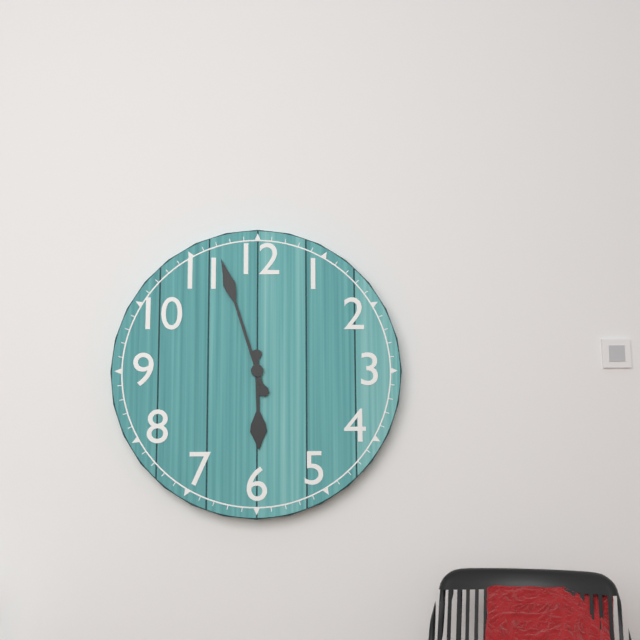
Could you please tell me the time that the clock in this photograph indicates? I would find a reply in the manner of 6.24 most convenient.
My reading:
5.57
